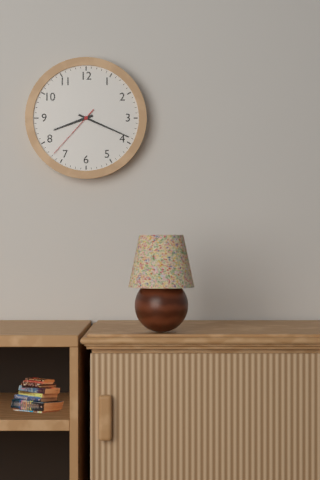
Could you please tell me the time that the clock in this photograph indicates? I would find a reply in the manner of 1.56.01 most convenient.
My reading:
8.19.37
